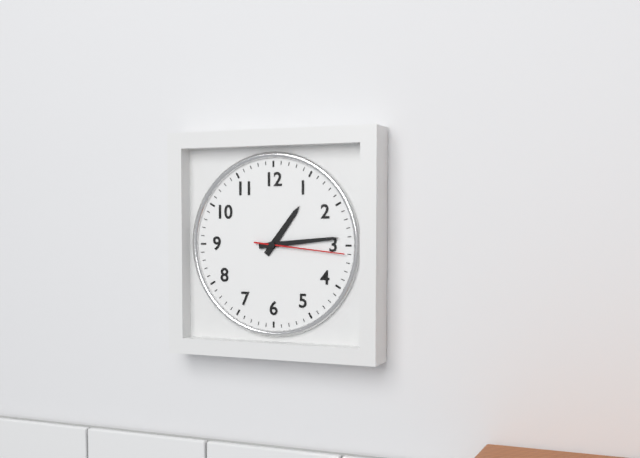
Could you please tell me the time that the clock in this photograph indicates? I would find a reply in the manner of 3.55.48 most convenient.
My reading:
1.14.16
